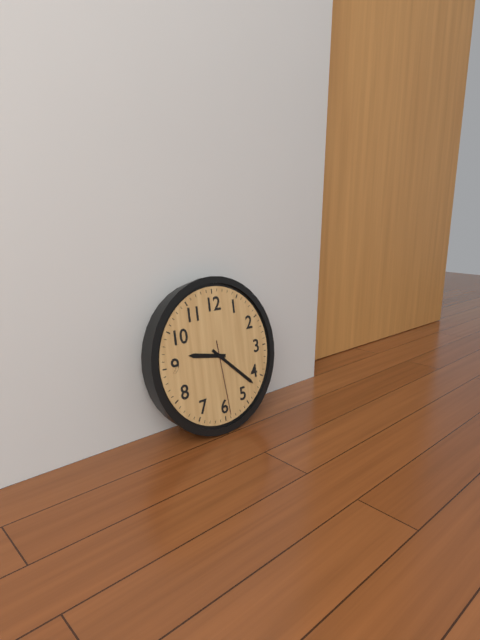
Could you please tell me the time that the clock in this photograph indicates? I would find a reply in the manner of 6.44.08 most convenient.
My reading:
9.22.29
